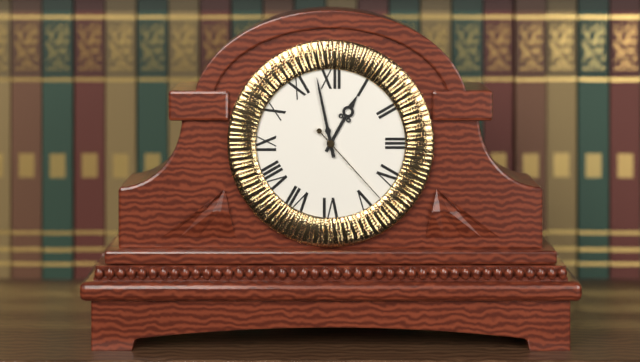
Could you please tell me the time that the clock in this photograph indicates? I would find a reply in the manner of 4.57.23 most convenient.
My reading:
12.58.23
